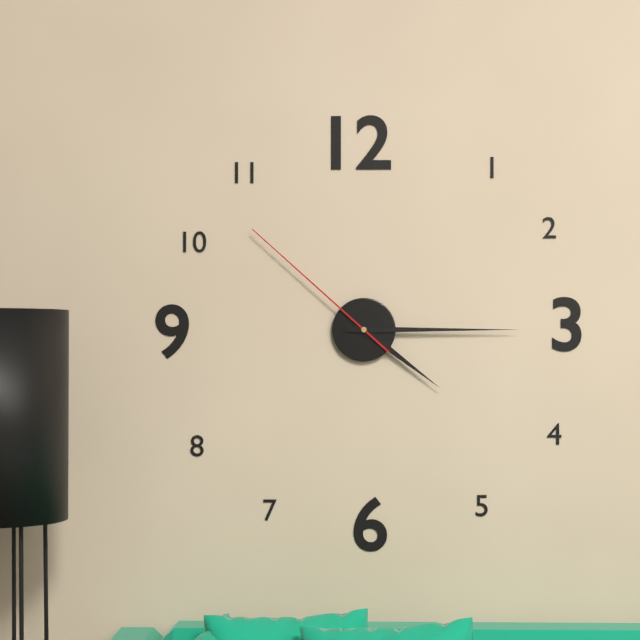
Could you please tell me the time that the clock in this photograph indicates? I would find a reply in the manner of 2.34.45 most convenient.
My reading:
4.15.52
